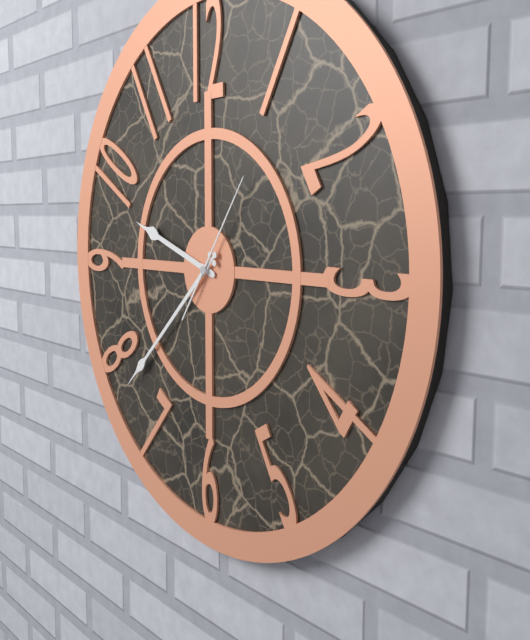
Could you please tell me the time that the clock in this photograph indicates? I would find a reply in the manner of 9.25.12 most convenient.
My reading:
9.38.06
